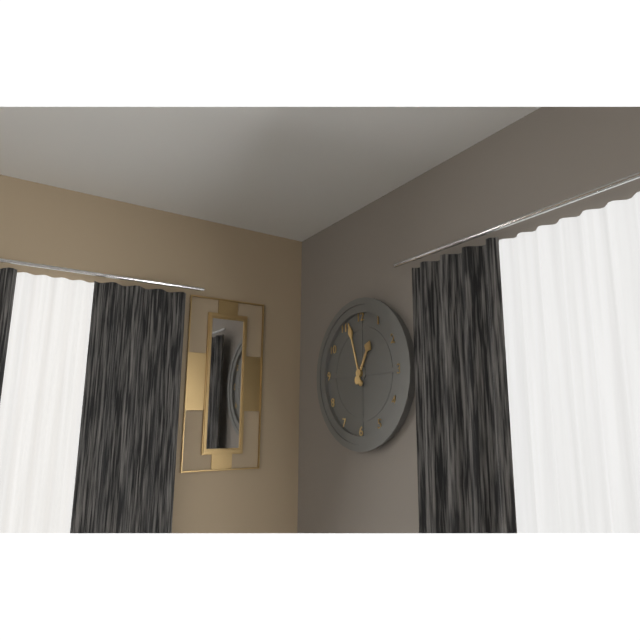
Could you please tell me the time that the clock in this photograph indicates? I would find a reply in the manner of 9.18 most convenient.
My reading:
12.57
